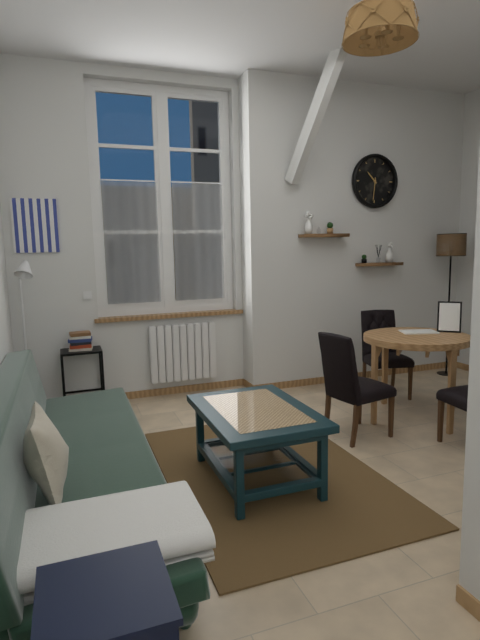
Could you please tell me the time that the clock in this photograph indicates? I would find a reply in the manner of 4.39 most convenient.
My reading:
10.31
